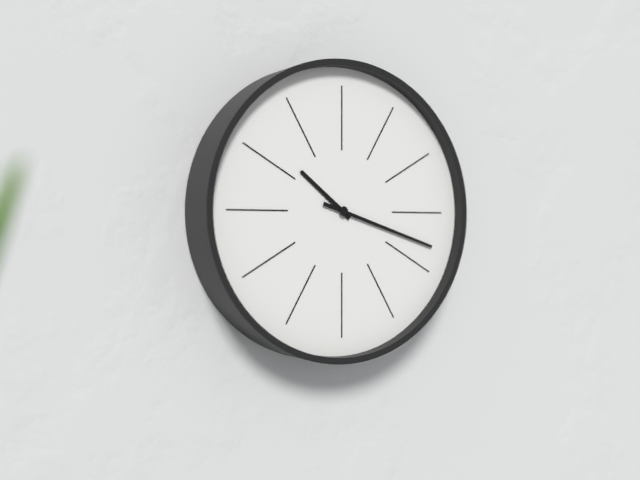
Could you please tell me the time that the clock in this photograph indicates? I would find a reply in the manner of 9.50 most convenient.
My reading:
10.18
